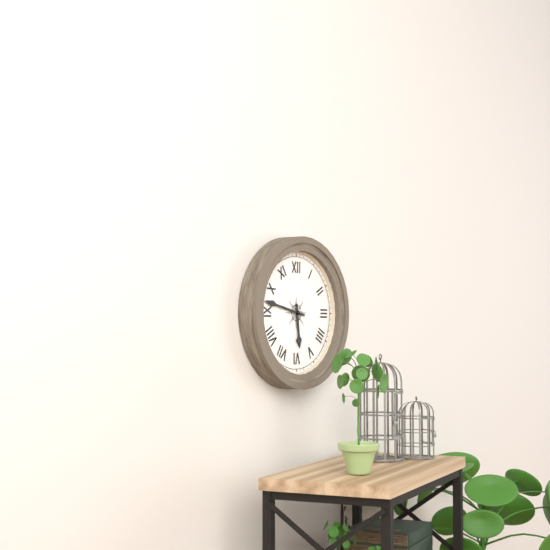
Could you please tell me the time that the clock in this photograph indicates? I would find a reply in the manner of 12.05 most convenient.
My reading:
5.47
